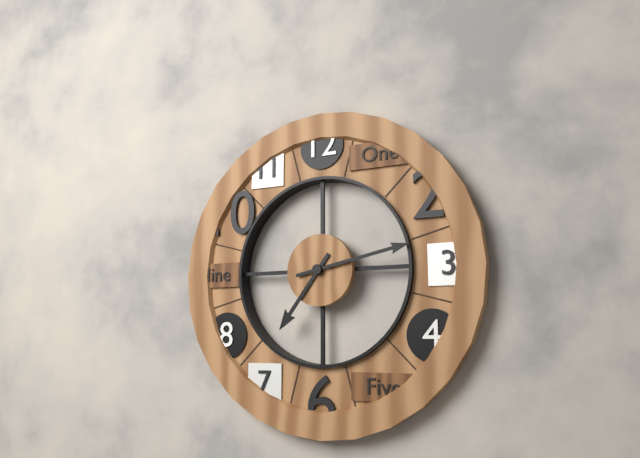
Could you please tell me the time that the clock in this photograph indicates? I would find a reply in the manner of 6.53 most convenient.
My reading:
7.13
